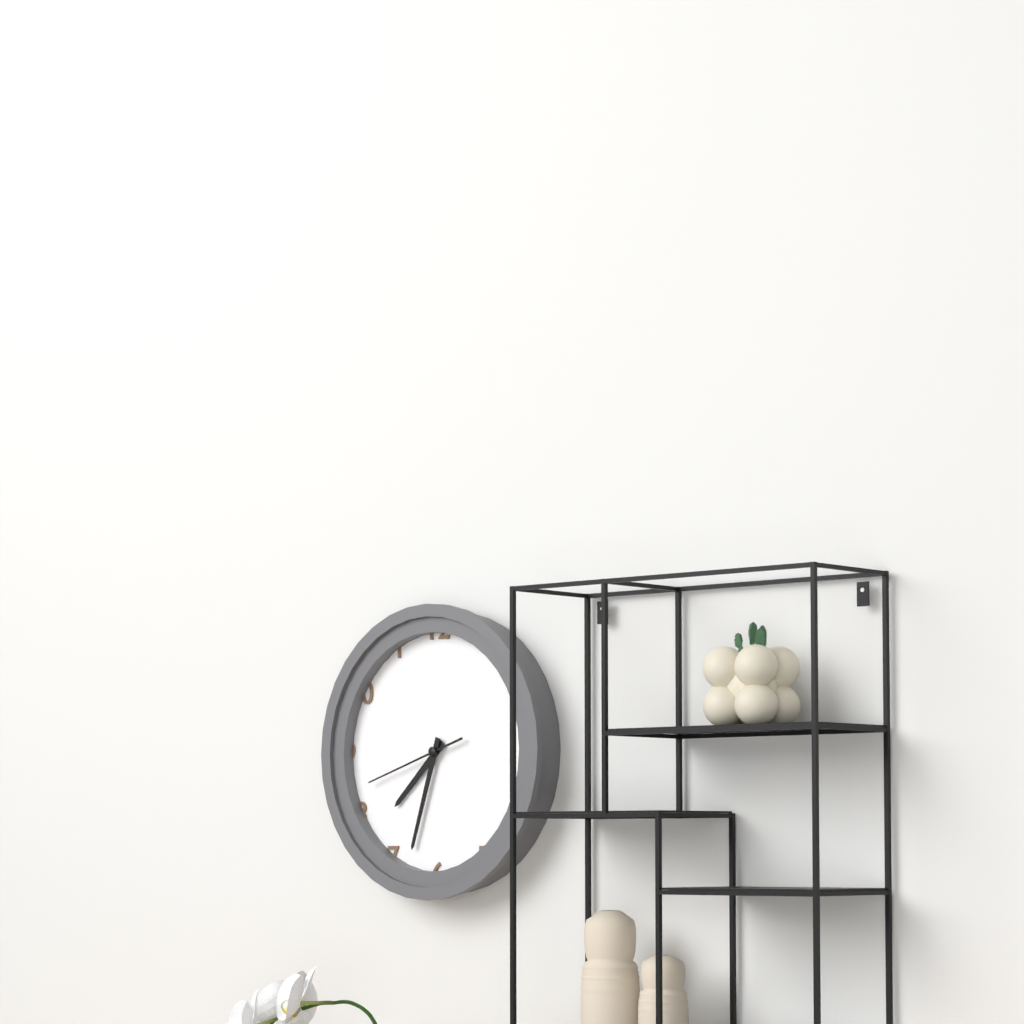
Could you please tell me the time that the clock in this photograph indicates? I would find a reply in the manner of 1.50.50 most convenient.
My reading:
7.33.42
